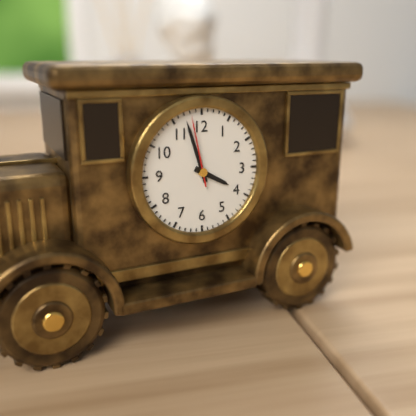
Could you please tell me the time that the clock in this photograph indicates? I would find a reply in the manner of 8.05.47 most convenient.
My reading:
3.57.58
